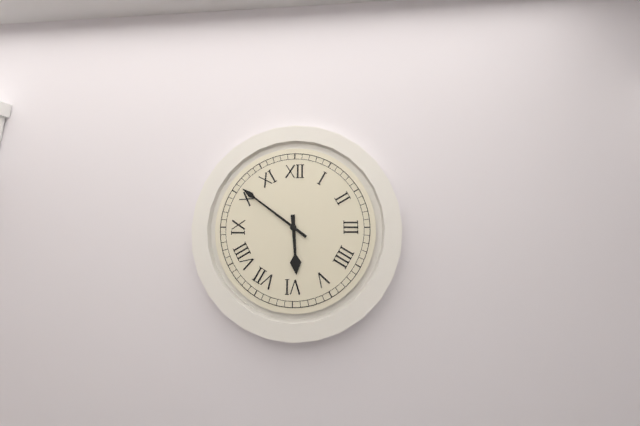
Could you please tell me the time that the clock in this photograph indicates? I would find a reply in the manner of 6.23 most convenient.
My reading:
5.51
